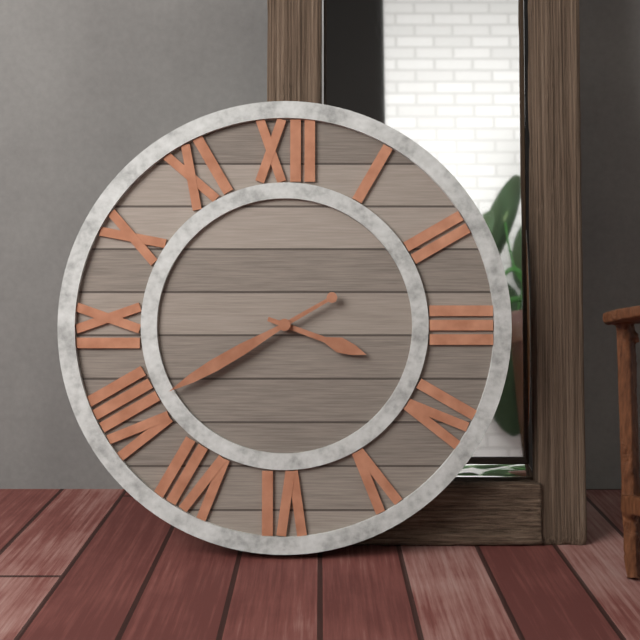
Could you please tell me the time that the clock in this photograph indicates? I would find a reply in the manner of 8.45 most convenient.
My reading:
3.40
